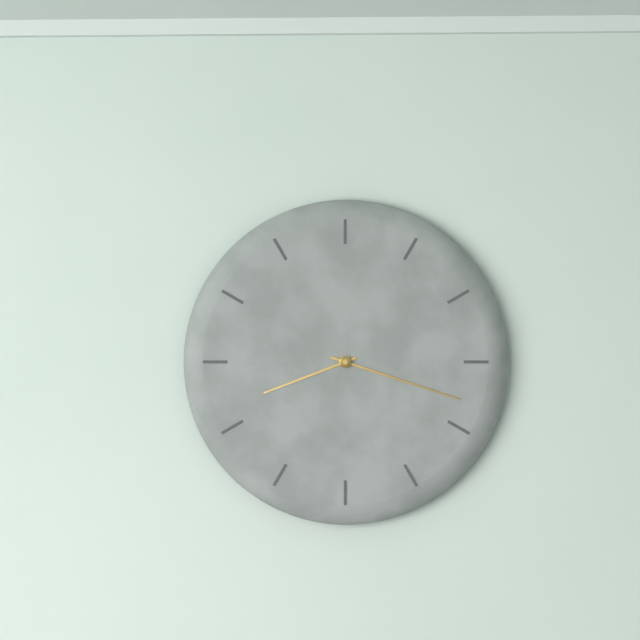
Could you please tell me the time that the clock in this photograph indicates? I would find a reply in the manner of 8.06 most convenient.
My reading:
8.18
